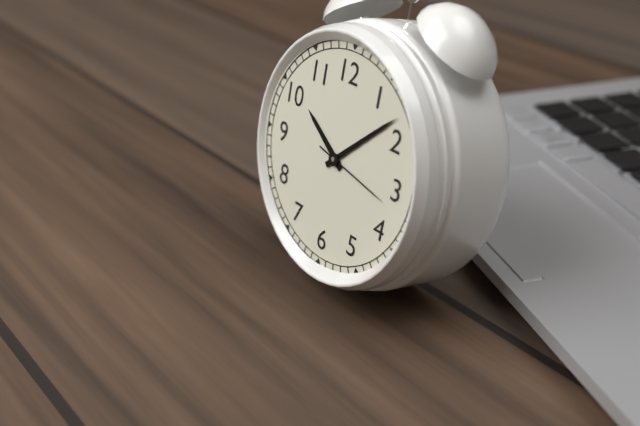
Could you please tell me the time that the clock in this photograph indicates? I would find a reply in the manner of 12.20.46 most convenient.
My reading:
10.08.17
